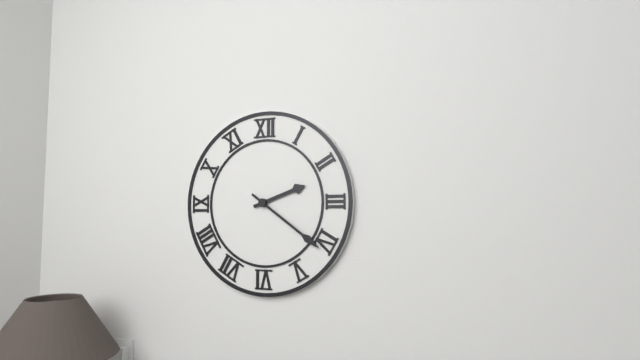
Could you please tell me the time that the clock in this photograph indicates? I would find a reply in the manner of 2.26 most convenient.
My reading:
2.21
